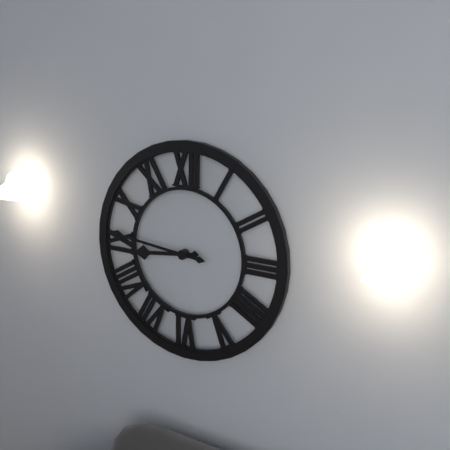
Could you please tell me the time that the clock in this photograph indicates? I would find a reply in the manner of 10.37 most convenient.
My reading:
8.46
